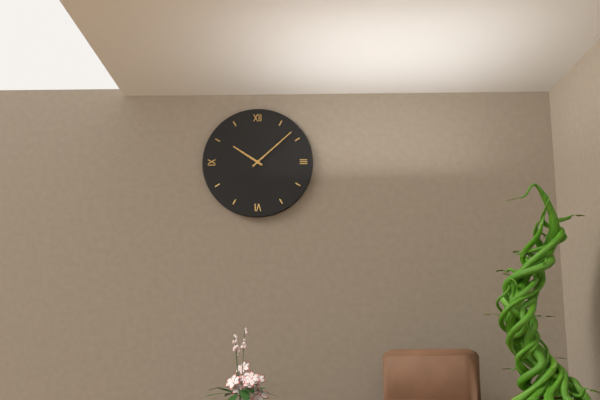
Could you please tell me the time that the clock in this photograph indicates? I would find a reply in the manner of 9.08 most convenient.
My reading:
10.08
